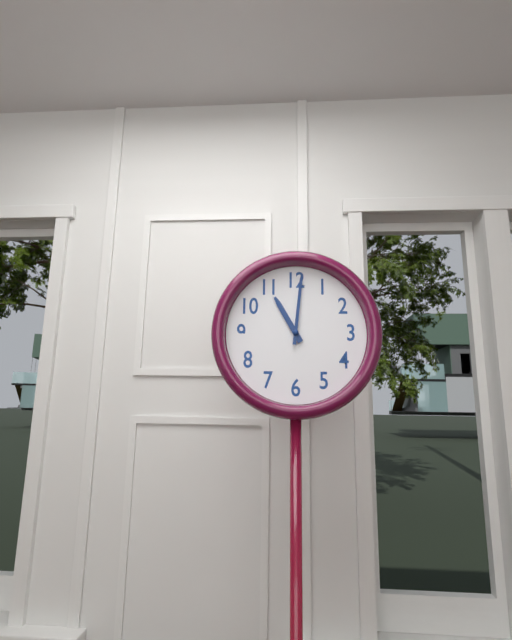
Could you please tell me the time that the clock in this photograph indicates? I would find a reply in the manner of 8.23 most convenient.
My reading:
11.01
